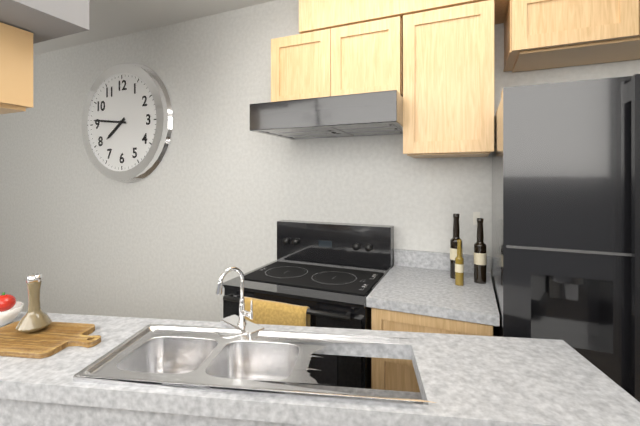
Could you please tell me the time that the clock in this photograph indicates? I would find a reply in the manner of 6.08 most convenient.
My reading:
7.46
